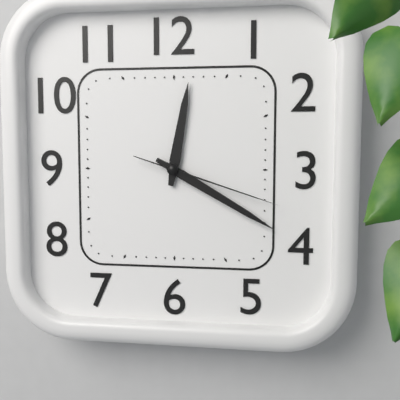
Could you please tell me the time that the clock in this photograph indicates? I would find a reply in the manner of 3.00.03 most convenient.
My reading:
12.20.18
